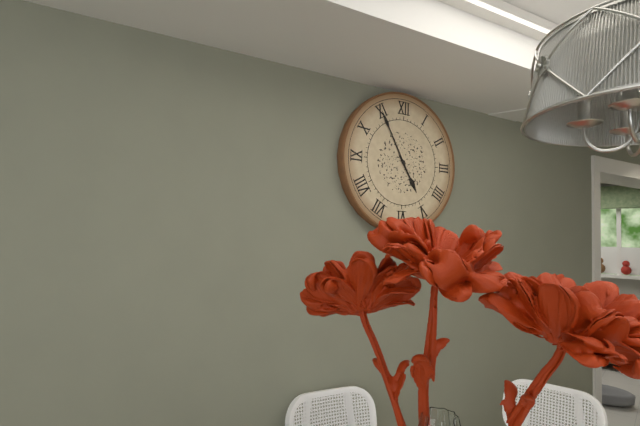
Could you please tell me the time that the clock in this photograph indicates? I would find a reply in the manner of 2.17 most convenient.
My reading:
4.55
